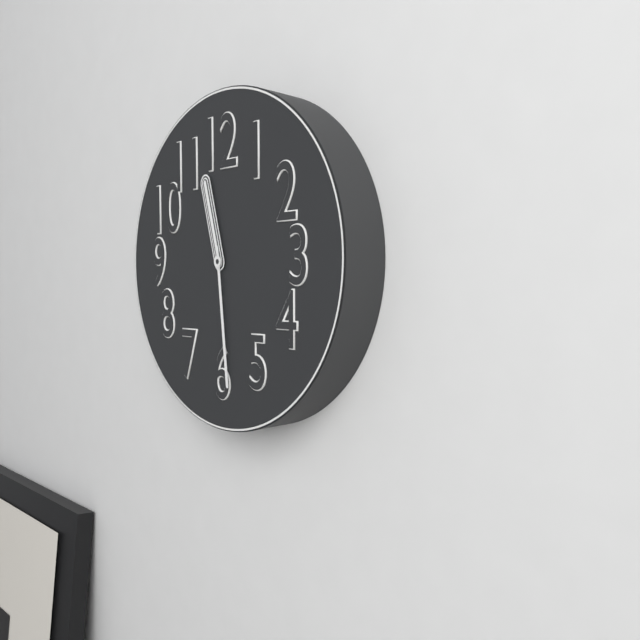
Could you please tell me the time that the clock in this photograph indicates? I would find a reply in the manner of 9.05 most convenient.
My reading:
11.29
